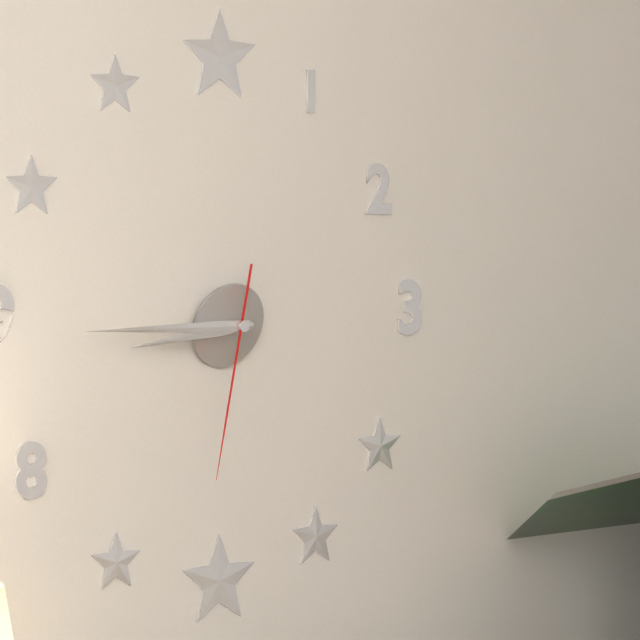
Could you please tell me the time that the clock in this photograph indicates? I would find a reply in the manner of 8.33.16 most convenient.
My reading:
8.45.32
